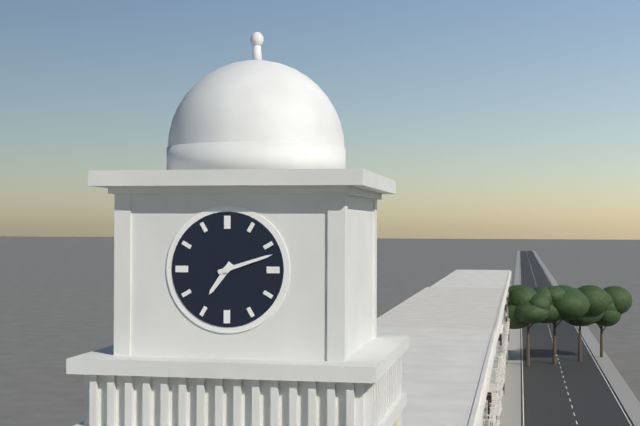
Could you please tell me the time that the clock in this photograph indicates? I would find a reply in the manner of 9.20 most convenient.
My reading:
7.12
